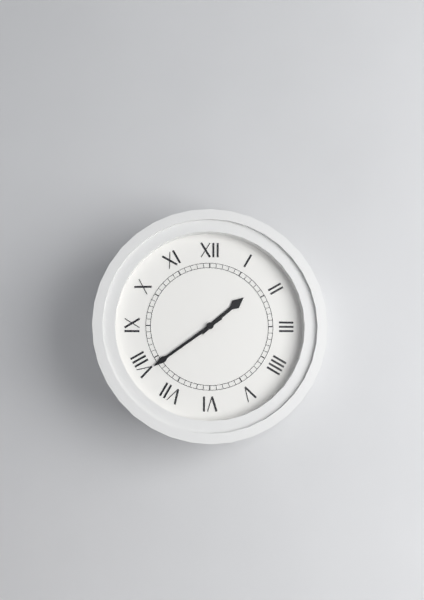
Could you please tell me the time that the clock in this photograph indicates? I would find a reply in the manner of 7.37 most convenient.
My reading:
1.39
